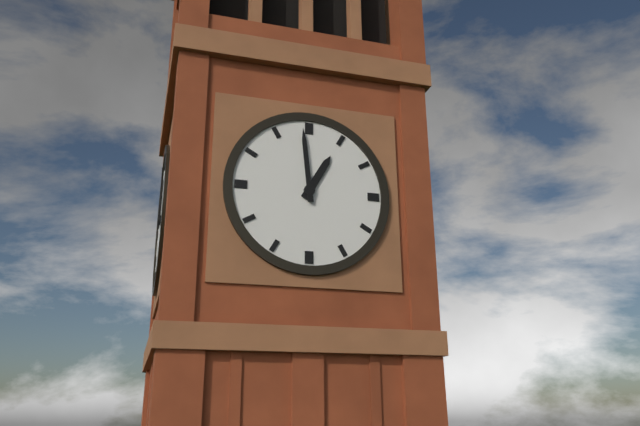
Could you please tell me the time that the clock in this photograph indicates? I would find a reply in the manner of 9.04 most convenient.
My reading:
12.59
